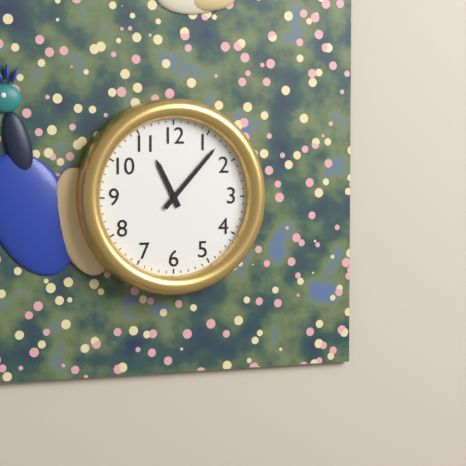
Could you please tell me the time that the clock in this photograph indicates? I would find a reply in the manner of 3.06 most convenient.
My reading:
11.07
